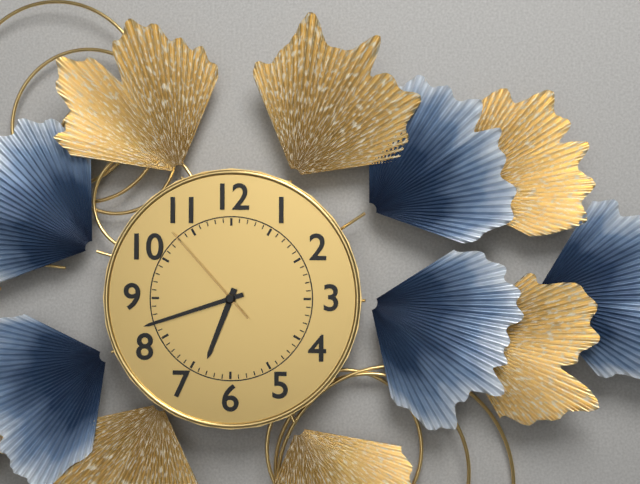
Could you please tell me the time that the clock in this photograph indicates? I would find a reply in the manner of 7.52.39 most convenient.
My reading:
6.42.53
